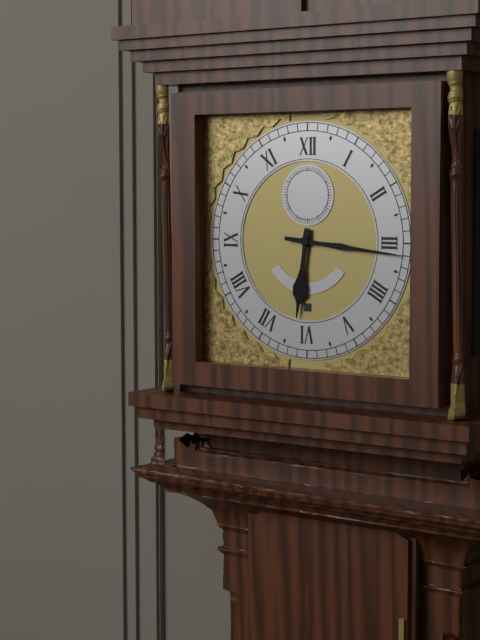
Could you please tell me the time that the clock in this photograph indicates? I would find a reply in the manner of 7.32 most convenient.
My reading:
6.16
